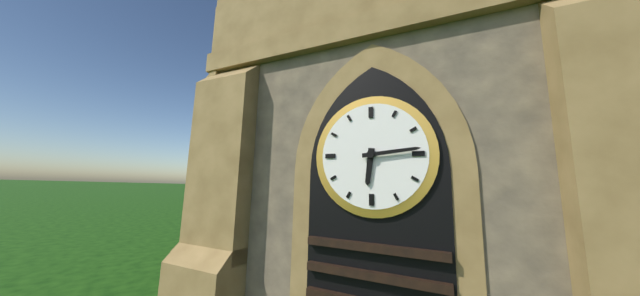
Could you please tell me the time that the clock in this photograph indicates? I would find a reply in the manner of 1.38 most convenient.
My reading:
6.14
